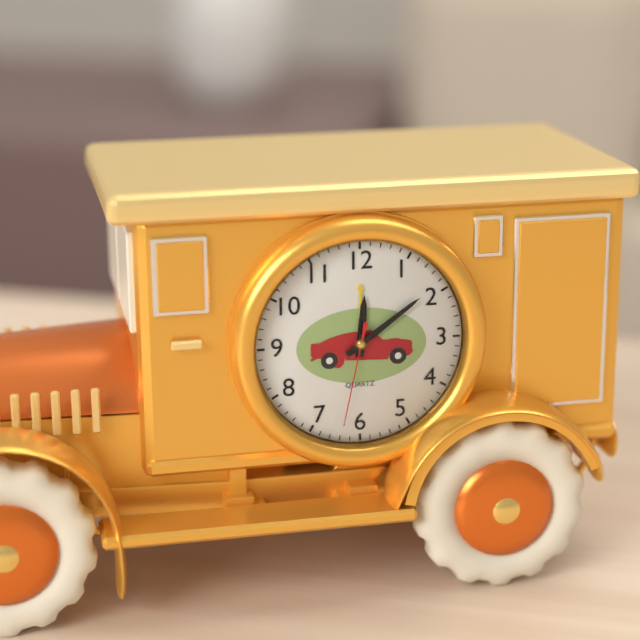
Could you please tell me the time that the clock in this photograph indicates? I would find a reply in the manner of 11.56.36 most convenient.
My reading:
12.09.32
